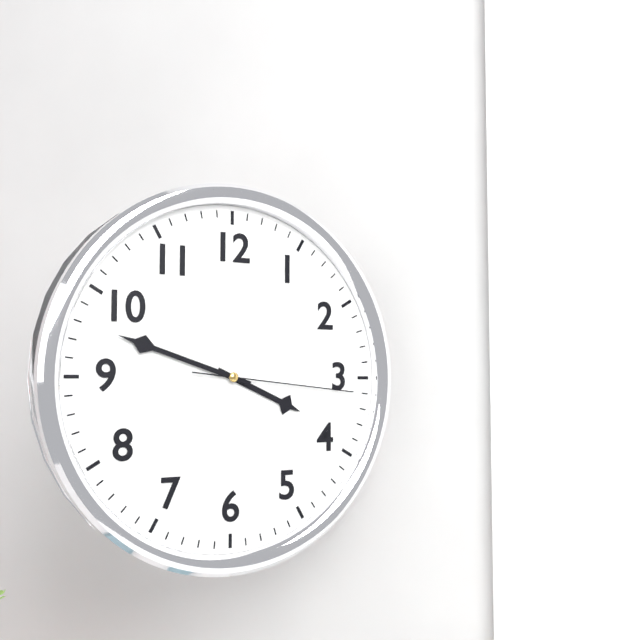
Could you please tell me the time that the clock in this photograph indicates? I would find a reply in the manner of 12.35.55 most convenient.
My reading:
3.48.16
